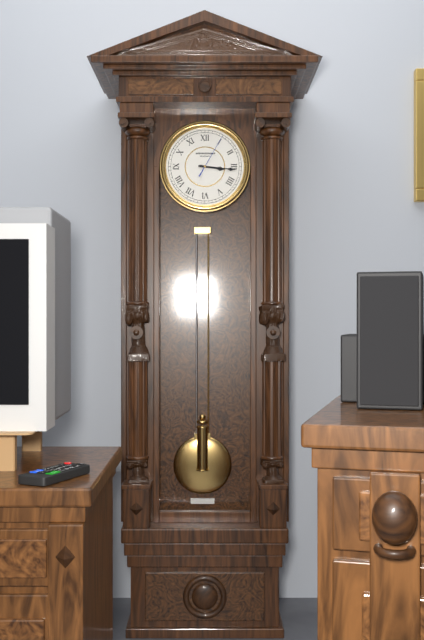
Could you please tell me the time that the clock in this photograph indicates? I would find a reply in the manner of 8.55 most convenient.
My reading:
3.16
